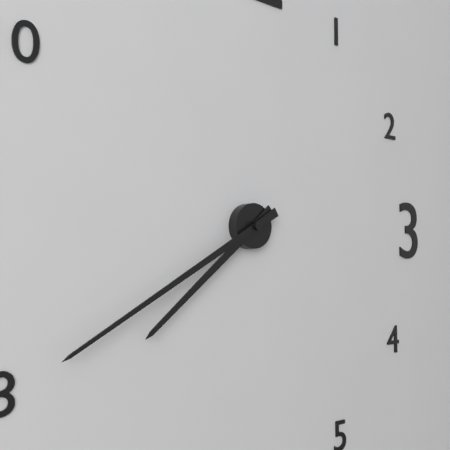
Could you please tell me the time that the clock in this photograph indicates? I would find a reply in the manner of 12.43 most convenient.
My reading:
7.40
